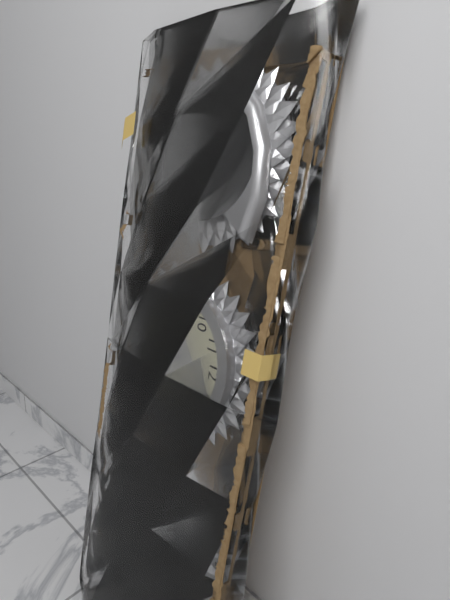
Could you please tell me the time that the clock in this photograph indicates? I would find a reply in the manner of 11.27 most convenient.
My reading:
7.41
